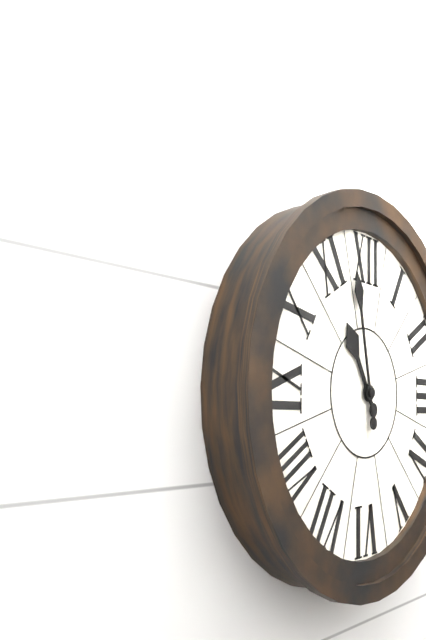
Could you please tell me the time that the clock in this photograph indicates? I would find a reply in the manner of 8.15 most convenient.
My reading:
10.58
